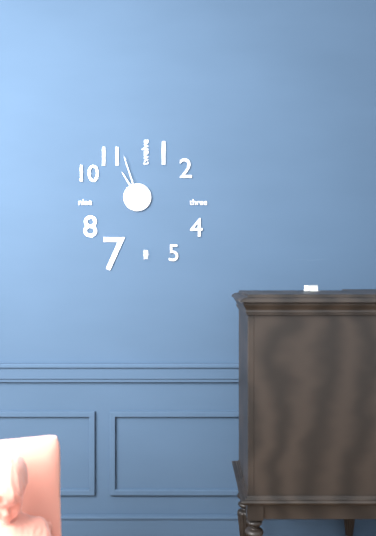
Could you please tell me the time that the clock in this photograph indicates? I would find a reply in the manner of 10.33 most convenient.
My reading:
10.57
